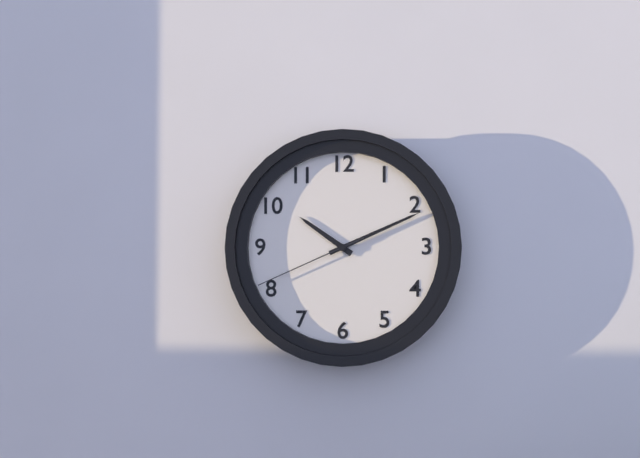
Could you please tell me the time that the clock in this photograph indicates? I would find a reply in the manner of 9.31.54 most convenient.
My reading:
10.11.41
